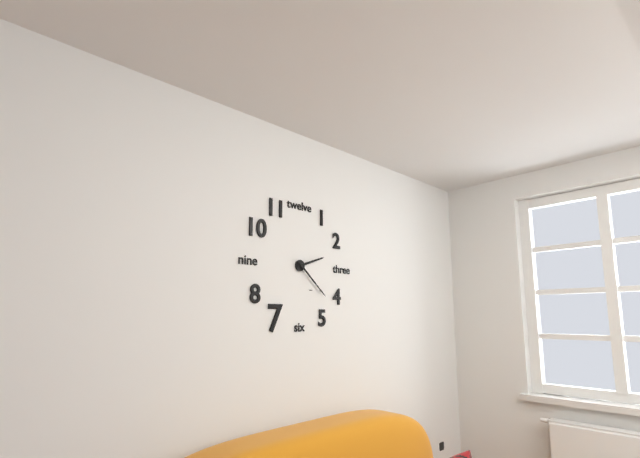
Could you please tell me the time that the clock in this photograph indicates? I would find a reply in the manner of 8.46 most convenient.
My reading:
2.22
